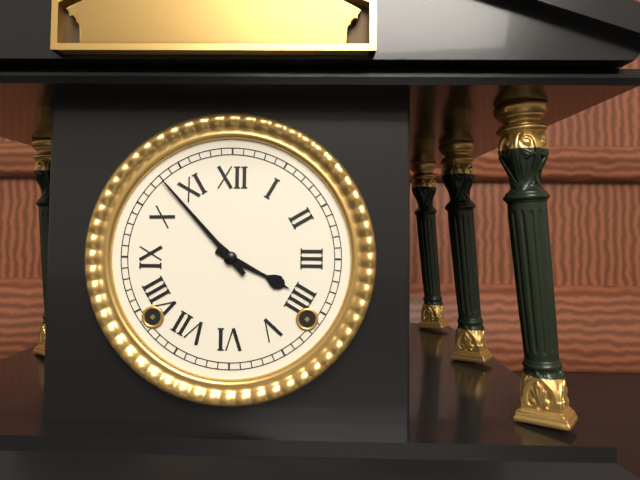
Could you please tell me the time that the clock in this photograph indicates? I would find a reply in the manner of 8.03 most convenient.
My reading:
3.53
